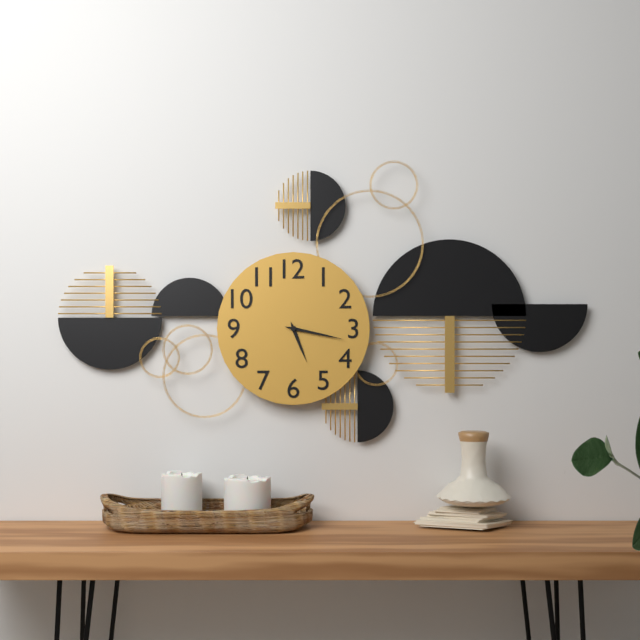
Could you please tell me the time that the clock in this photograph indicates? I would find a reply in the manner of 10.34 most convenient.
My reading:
5.17
